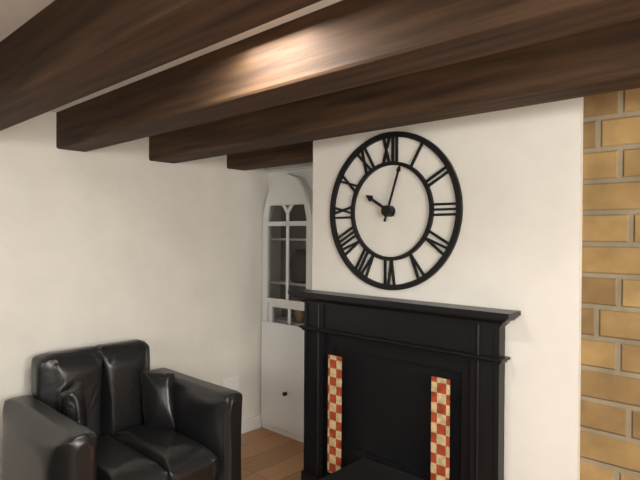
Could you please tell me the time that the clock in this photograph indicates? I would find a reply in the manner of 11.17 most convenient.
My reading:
10.03
